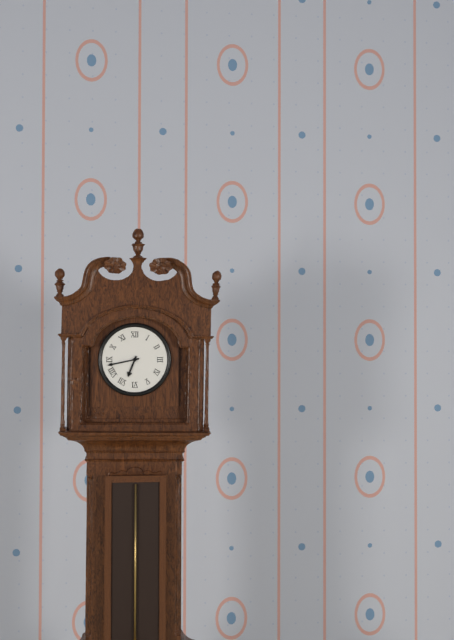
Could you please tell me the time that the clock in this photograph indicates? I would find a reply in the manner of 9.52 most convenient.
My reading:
6.43
